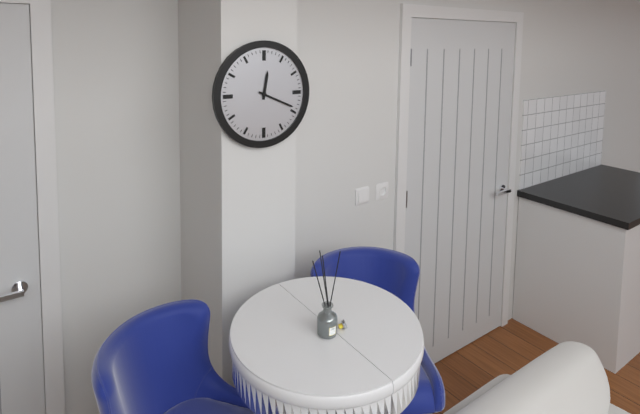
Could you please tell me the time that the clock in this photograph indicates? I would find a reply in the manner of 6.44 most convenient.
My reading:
12.19
